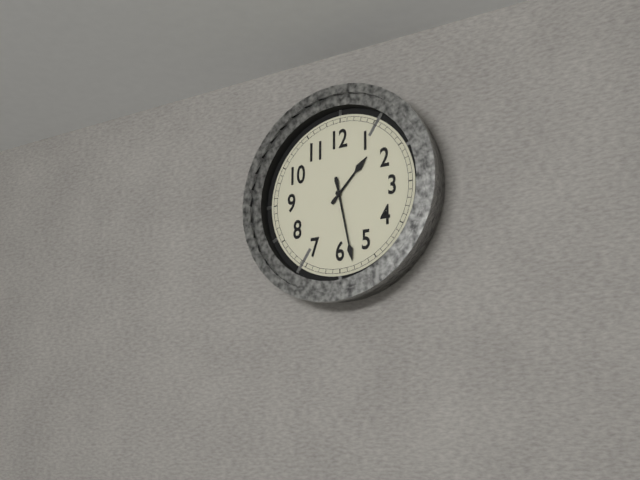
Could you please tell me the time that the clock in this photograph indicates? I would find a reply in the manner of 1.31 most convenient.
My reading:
1.28
